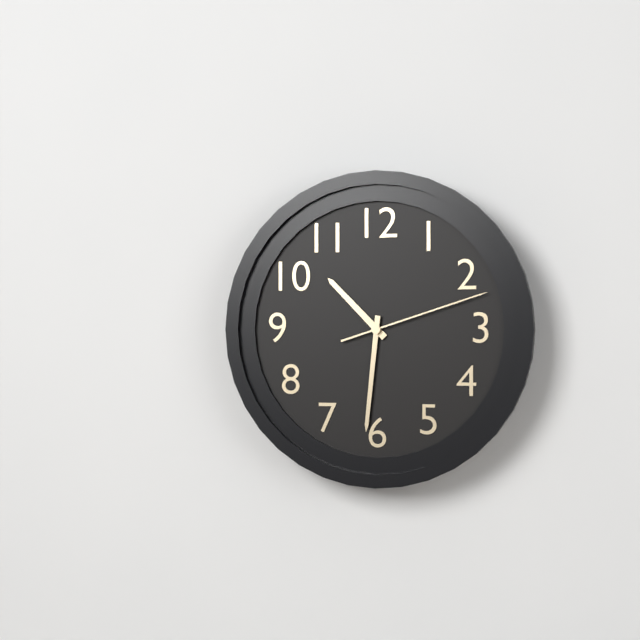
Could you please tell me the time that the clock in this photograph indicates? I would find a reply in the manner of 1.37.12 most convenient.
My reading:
10.31.12
